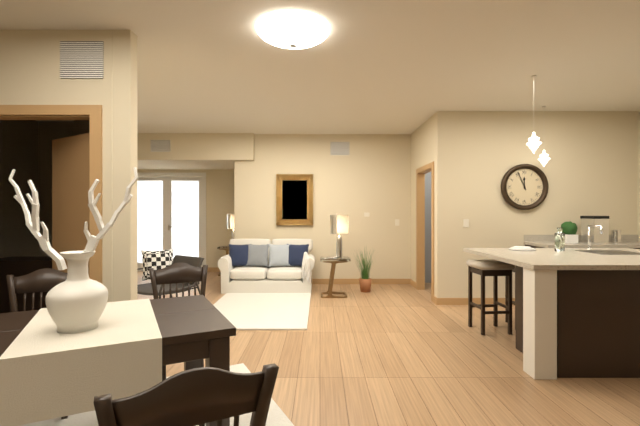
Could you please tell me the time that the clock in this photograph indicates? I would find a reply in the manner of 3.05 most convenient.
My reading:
11.56
